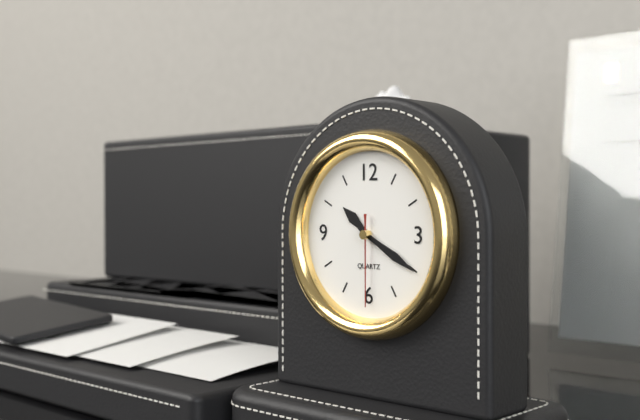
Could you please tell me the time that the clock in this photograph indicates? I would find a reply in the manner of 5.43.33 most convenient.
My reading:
10.20.30
